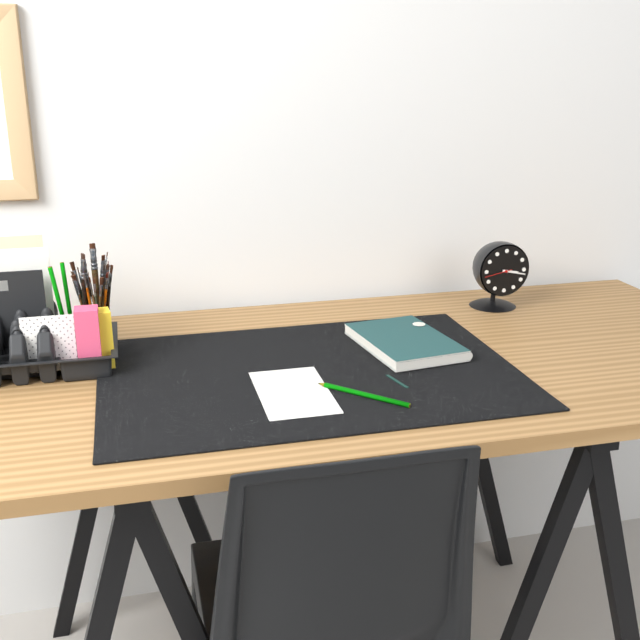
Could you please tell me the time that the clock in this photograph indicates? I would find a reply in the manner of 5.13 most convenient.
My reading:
3.17
